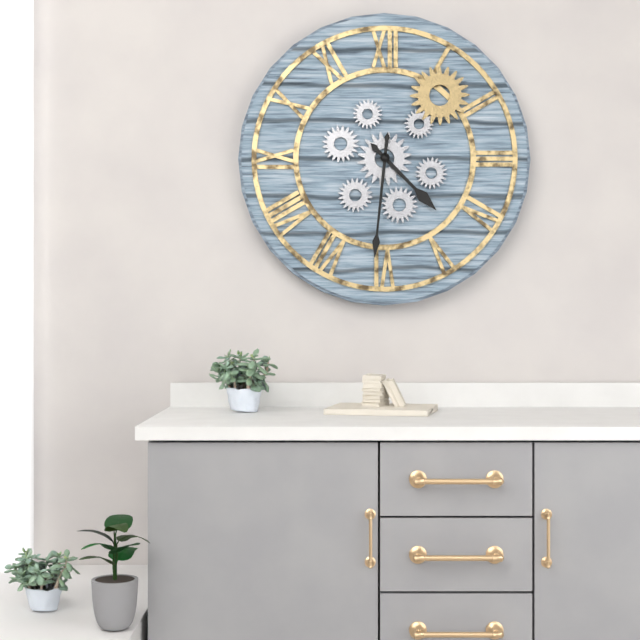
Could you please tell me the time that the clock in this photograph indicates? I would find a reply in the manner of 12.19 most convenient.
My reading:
4.31
